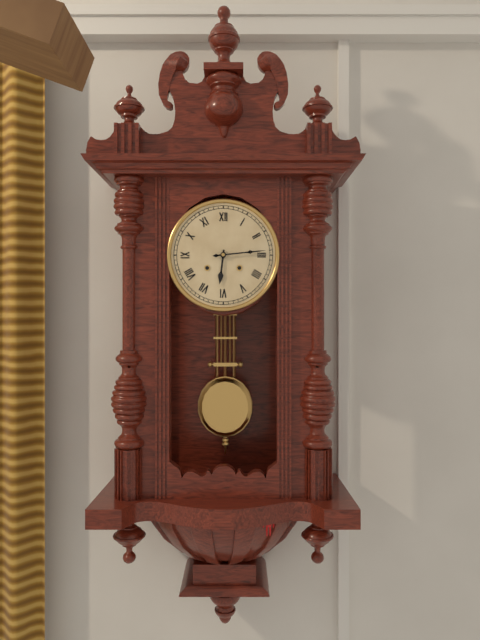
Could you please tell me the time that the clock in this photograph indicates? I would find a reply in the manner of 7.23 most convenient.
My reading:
6.14
